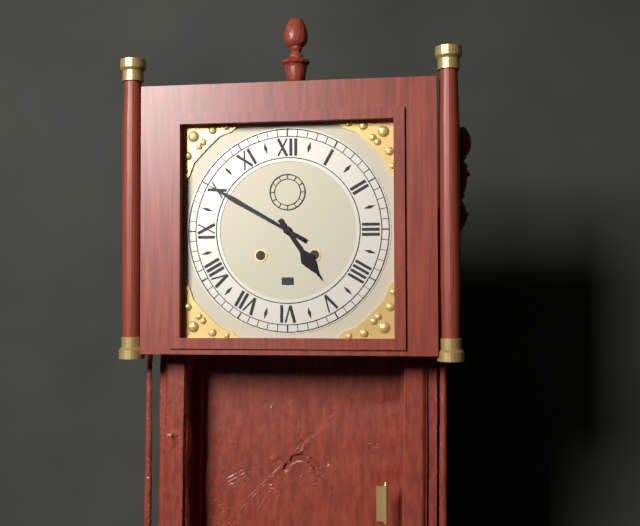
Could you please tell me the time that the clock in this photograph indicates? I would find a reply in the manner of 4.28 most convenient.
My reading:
4.50
